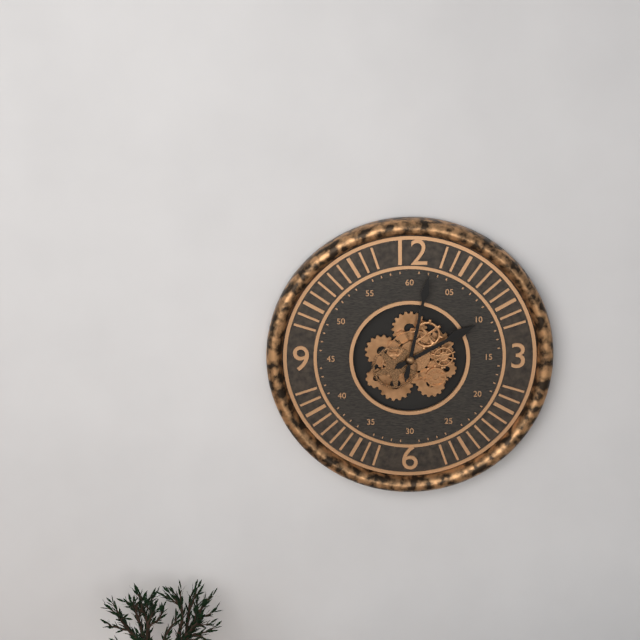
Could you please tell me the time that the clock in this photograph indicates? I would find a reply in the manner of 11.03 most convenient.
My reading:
2.02
